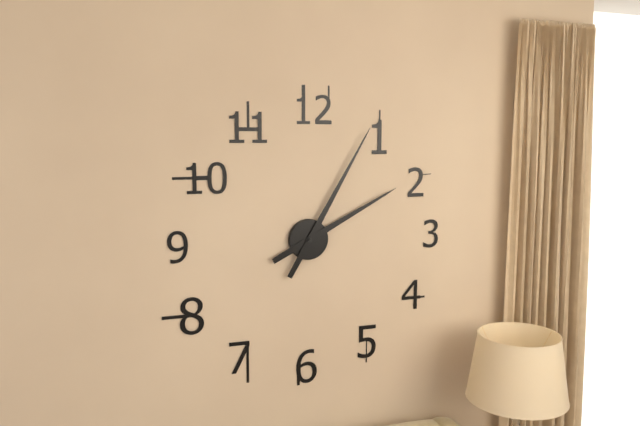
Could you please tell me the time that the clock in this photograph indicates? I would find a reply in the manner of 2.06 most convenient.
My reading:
2.05
